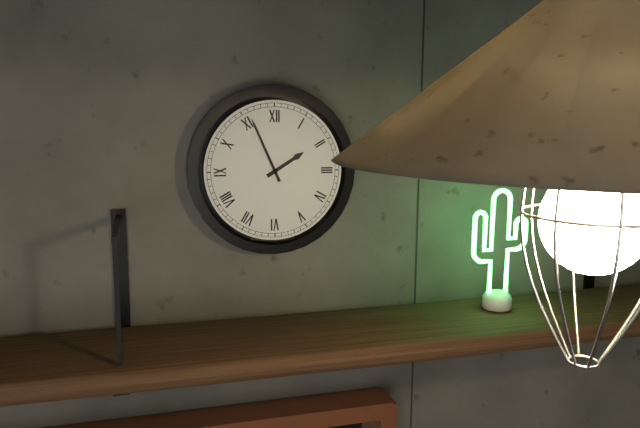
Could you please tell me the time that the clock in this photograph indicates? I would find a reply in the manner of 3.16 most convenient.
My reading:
1.56
